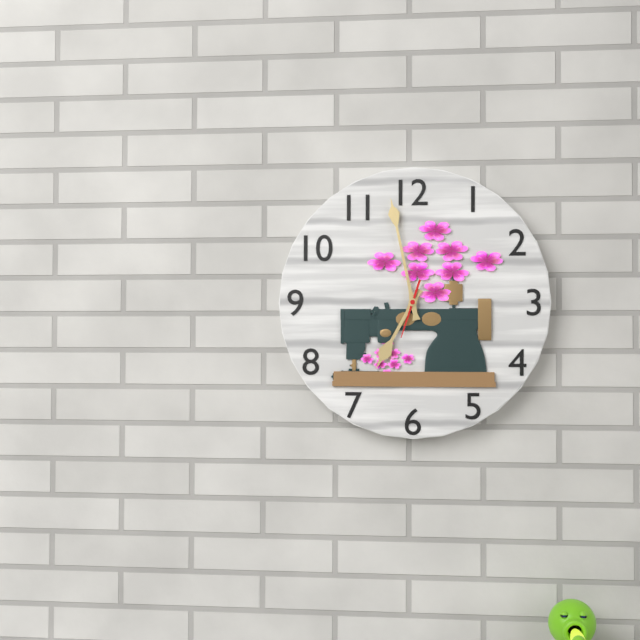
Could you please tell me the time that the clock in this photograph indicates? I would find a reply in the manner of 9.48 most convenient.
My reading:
6.58
